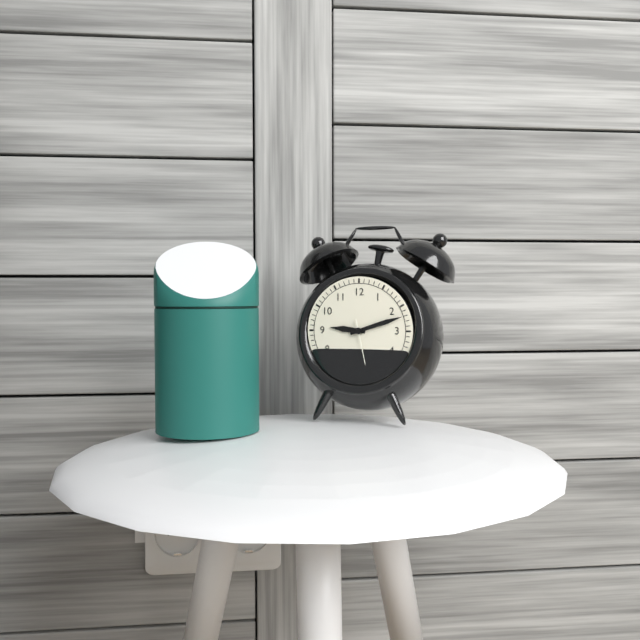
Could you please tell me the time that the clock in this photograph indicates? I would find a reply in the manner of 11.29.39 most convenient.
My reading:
9.12.28
